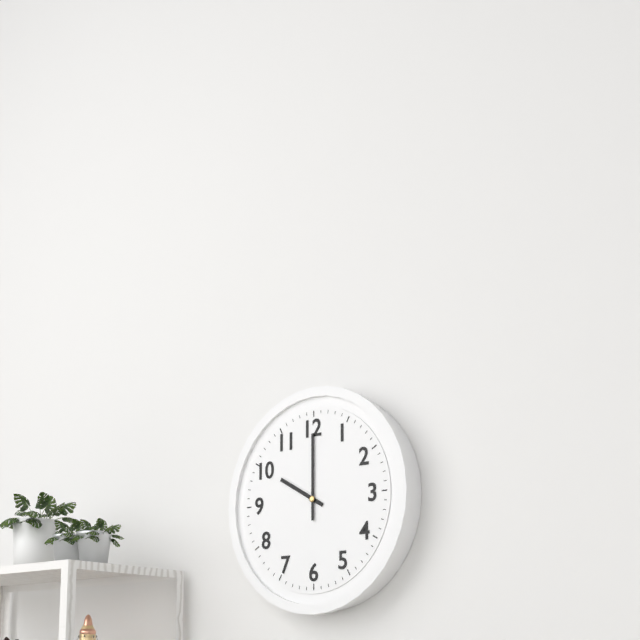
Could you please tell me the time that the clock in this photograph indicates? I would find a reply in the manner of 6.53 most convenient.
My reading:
10.00
